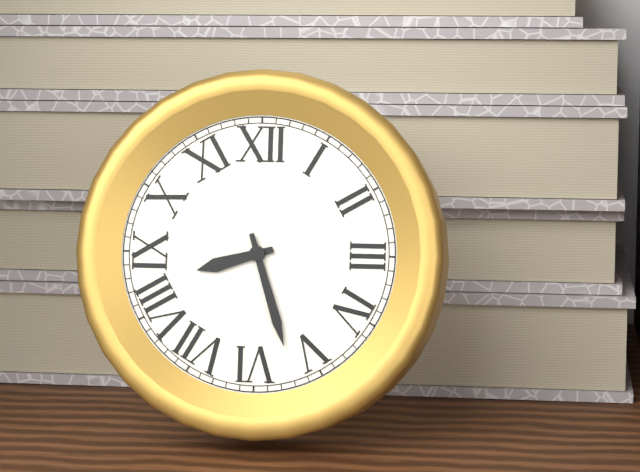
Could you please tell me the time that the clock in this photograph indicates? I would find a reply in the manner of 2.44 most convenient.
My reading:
8.27
